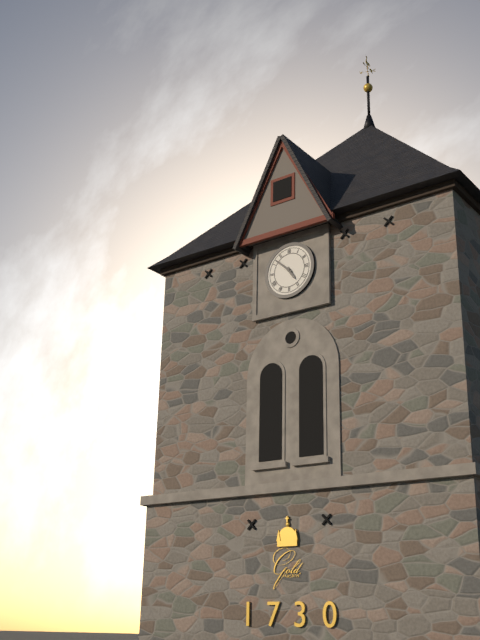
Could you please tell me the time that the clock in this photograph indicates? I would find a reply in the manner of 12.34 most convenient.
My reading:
4.52
